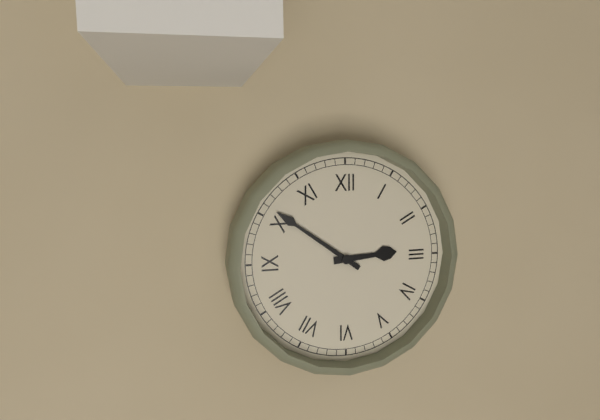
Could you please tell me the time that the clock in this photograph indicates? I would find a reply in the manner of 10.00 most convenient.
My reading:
2.51
